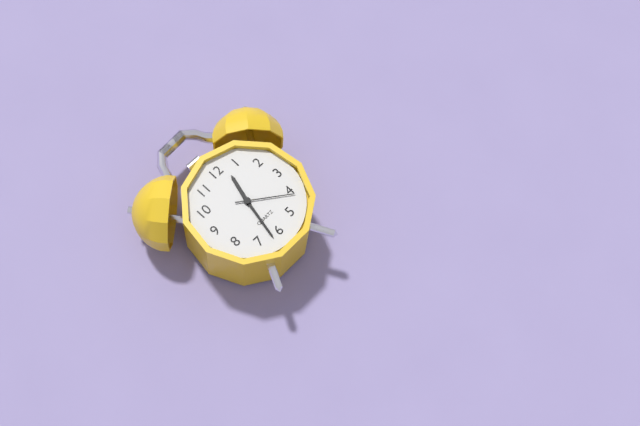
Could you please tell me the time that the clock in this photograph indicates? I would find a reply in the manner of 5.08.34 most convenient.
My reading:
12.32.21
